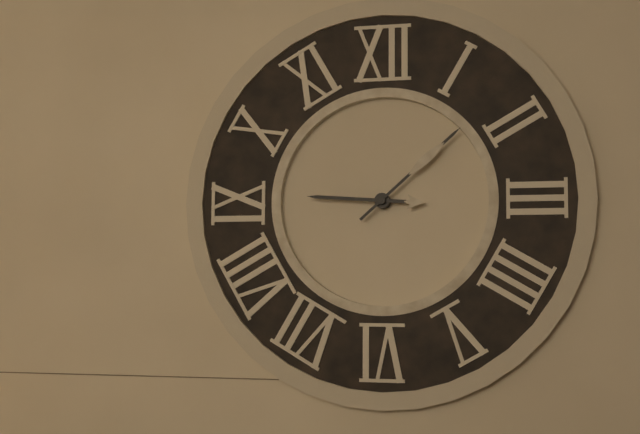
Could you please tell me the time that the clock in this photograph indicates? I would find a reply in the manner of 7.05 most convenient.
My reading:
9.08
